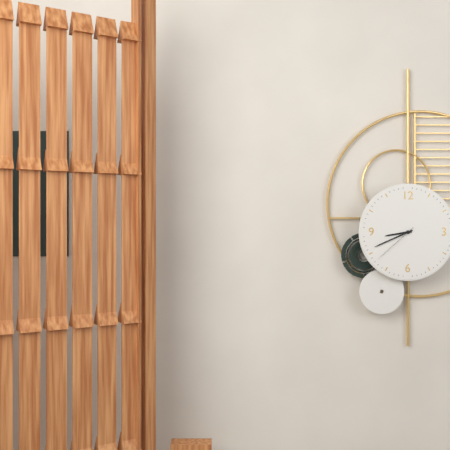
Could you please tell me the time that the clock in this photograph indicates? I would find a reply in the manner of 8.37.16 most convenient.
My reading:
8.41.38
